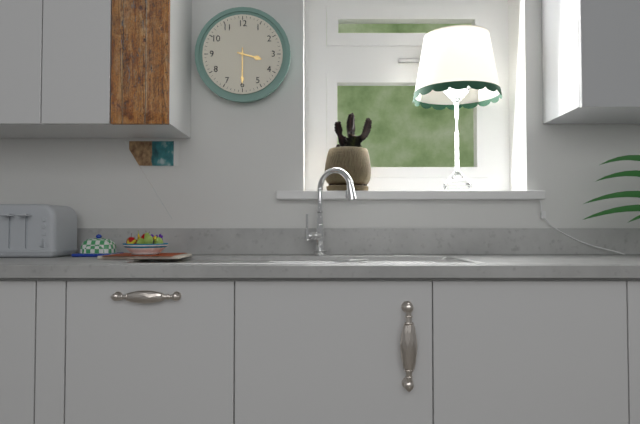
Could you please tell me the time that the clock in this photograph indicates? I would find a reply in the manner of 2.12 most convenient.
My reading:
3.30
